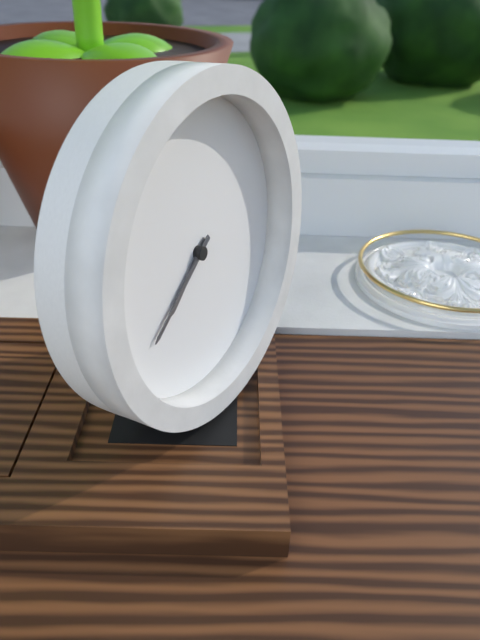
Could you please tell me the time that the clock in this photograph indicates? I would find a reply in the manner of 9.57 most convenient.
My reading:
7.39
